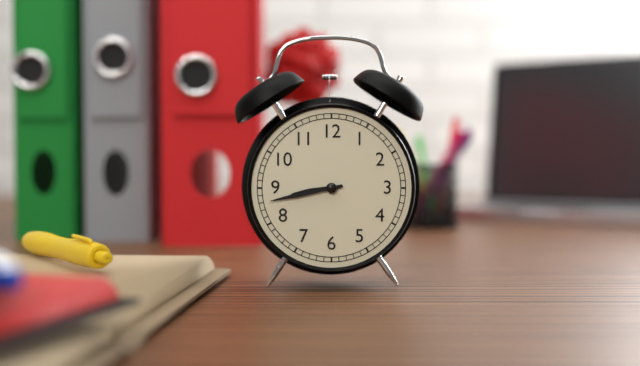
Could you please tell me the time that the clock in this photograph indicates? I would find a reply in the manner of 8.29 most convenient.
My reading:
8.43
